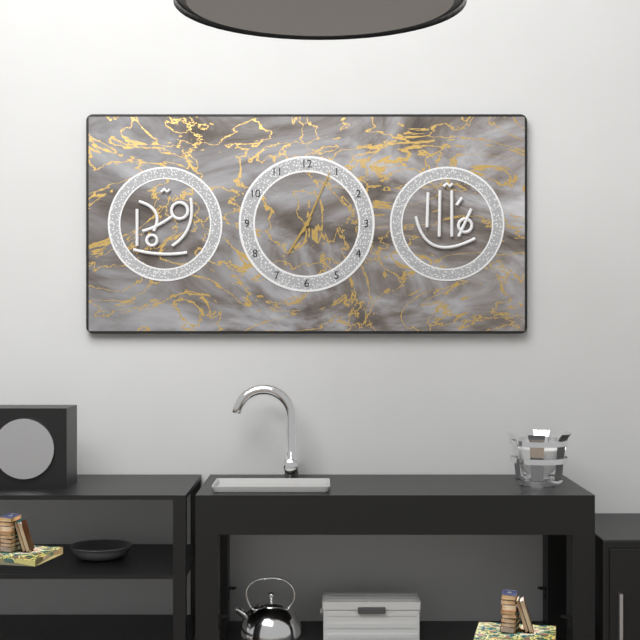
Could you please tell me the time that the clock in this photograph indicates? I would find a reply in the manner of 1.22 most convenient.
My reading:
7.04
